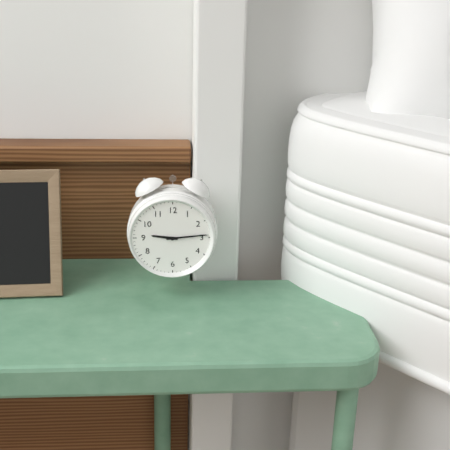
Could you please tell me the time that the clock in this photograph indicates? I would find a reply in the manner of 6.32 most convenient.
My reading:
9.14
